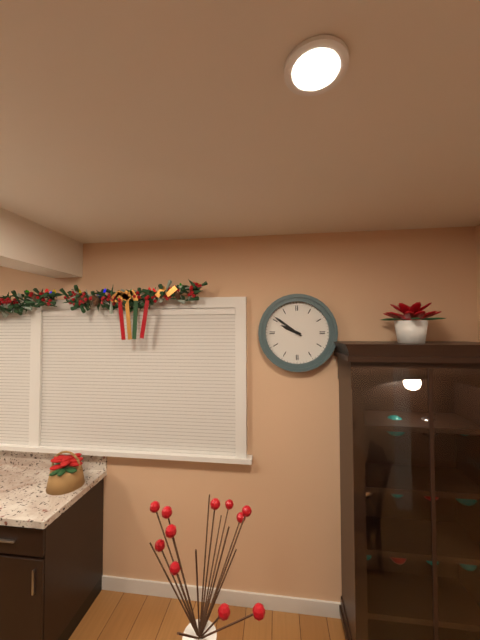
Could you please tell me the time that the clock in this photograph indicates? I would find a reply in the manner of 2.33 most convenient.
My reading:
9.51
